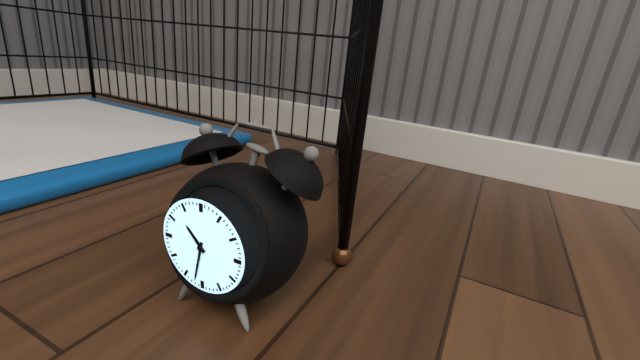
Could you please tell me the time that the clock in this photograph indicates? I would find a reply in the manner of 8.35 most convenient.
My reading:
10.32
